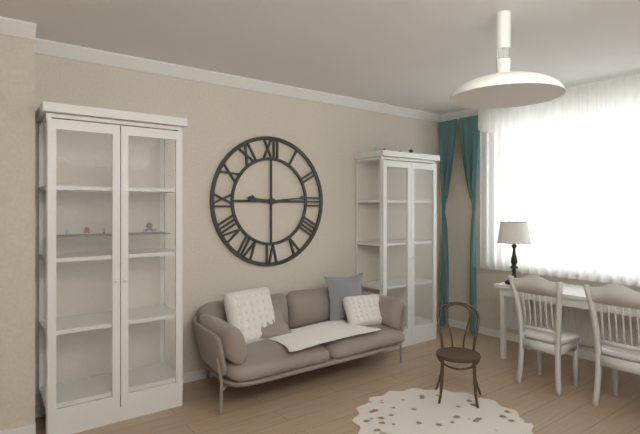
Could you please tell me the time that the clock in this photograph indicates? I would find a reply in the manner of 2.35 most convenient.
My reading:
9.14
